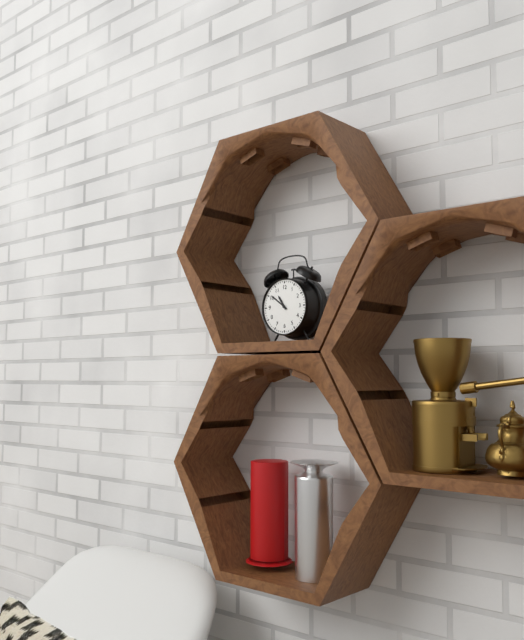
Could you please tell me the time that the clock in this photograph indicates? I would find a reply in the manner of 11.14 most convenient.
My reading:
10.51
